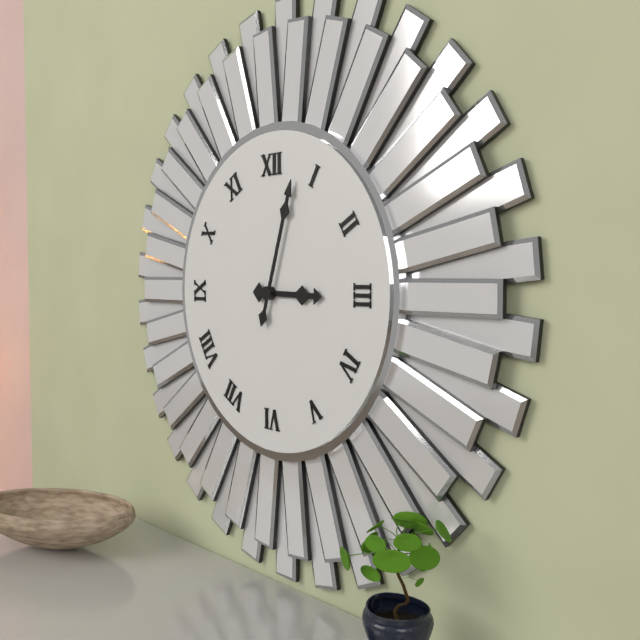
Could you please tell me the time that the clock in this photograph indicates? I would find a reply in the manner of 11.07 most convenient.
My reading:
3.03
